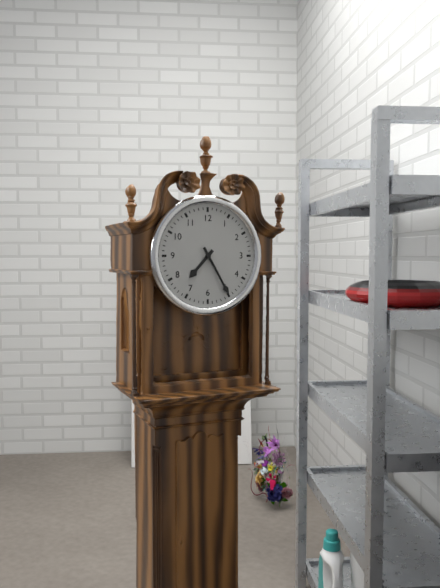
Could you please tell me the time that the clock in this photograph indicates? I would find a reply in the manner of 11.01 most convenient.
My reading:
7.25
